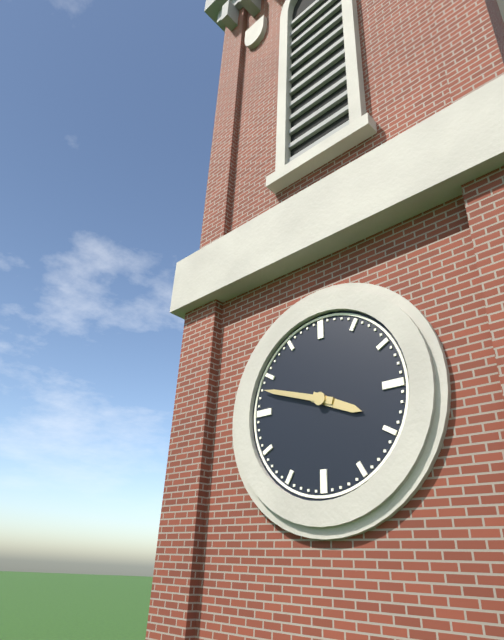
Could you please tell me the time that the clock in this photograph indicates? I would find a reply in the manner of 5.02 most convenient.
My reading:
3.48
